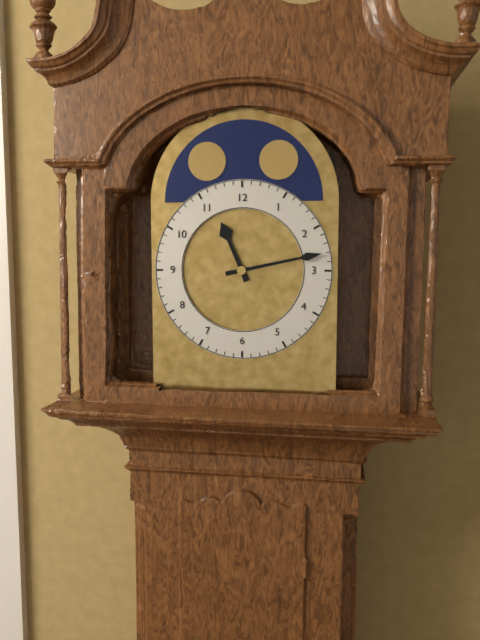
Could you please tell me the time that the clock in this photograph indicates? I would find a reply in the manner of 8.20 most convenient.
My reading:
11.13
